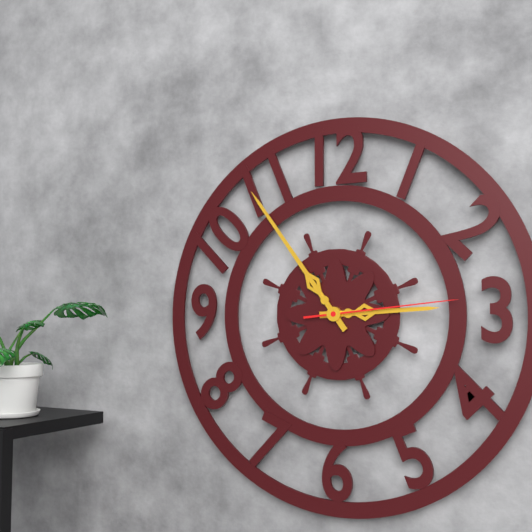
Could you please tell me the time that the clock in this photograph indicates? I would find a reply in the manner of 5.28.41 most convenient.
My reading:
2.54.14
